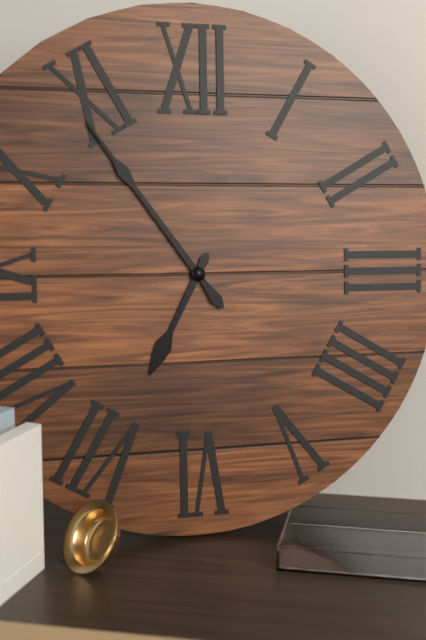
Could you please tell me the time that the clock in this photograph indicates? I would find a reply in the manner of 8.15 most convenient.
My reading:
6.54
